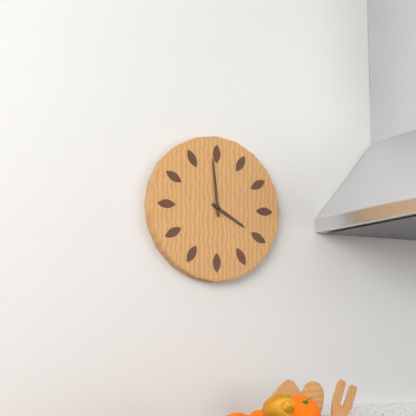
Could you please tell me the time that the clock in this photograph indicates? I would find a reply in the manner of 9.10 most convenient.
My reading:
3.59
